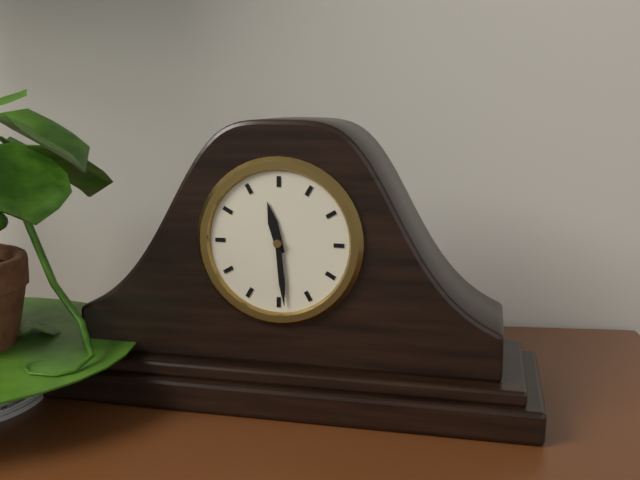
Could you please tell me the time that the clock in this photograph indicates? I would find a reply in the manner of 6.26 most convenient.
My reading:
11.29
